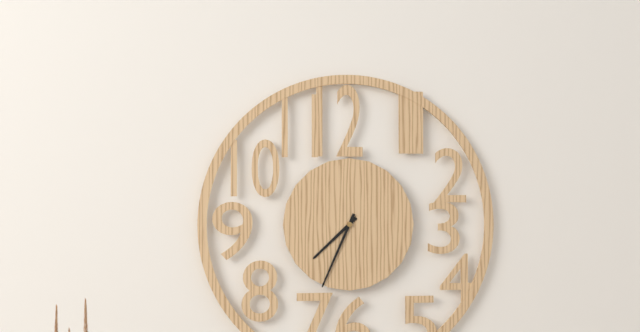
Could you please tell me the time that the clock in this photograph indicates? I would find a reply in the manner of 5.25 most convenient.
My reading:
7.34
